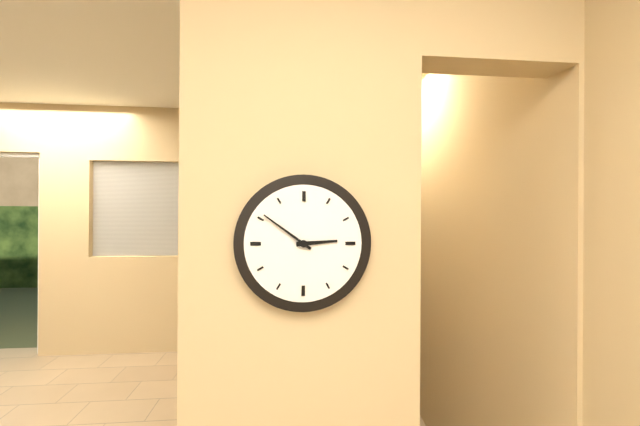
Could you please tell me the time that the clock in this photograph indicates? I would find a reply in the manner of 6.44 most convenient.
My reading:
2.51
